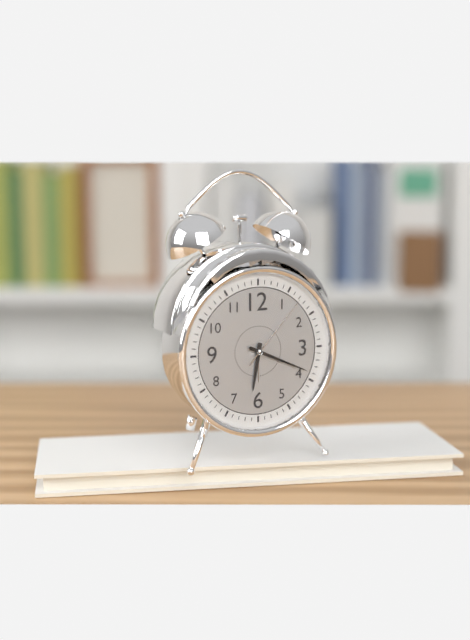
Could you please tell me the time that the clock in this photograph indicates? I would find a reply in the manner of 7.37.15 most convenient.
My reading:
6.19.07
